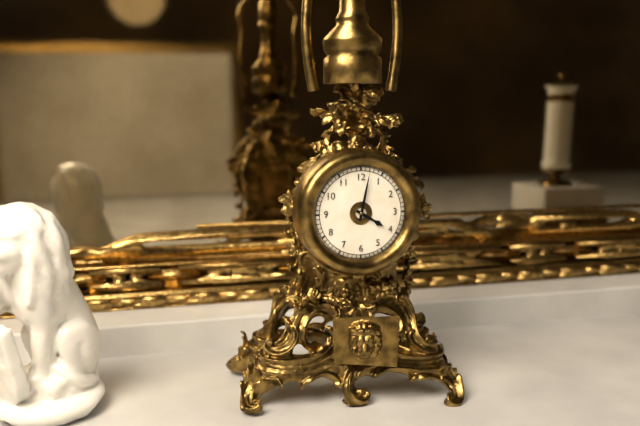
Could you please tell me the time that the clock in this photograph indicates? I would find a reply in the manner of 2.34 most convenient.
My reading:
4.02
